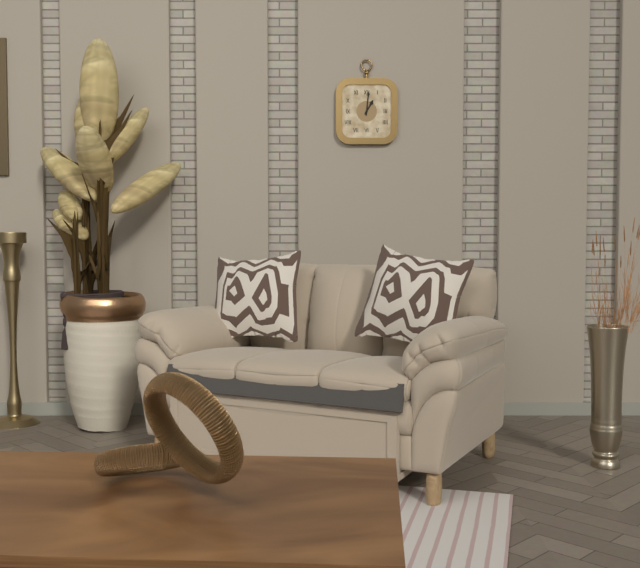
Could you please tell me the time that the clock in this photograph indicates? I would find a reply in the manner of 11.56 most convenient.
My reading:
1.01
